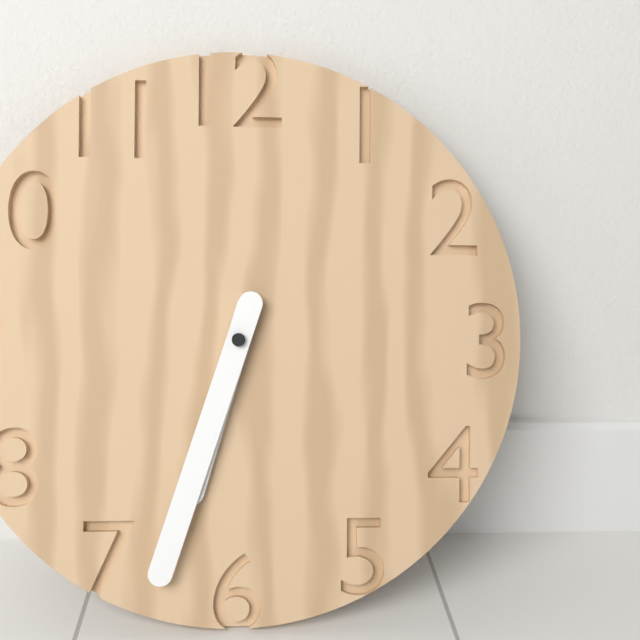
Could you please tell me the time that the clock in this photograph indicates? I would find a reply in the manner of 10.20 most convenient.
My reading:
6.33
